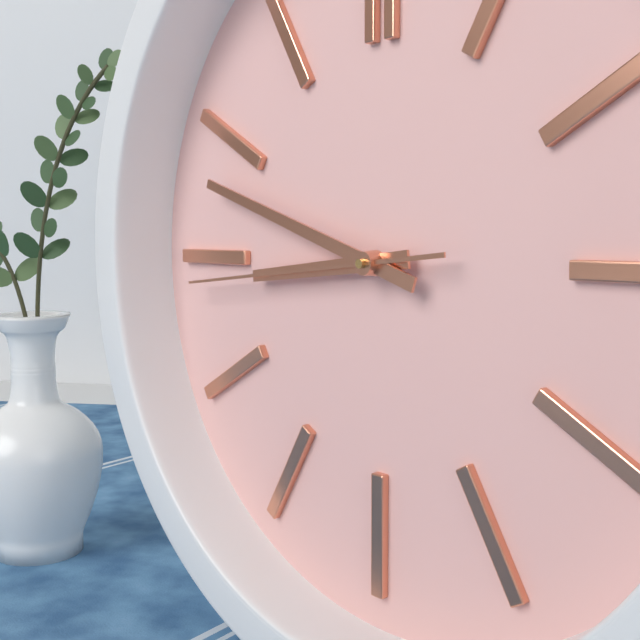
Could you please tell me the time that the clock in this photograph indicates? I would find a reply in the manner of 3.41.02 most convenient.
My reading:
8.48.44
